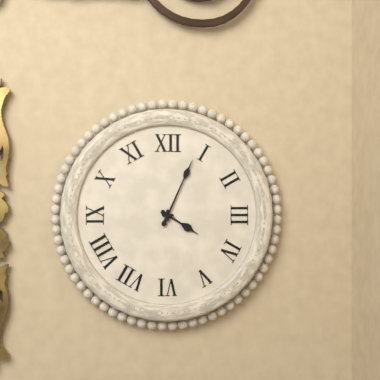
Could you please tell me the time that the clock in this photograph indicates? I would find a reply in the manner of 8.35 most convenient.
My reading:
4.04
